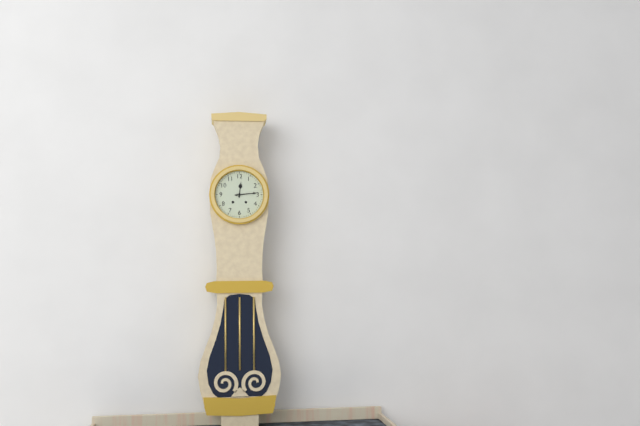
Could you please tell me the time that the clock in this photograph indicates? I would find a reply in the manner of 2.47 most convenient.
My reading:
12.14
